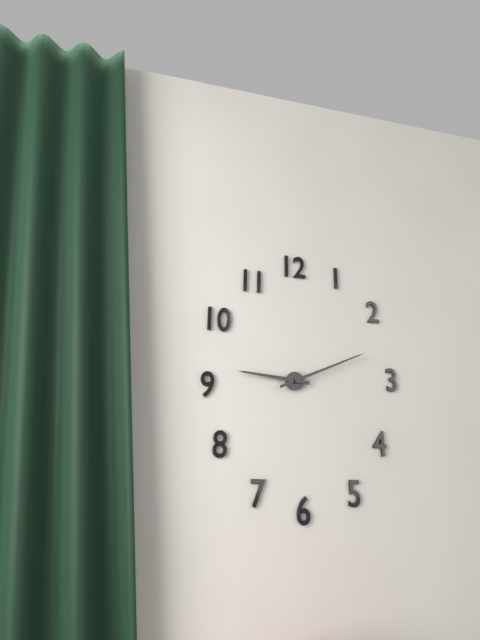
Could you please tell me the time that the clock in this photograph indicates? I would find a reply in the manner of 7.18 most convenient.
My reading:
9.11
